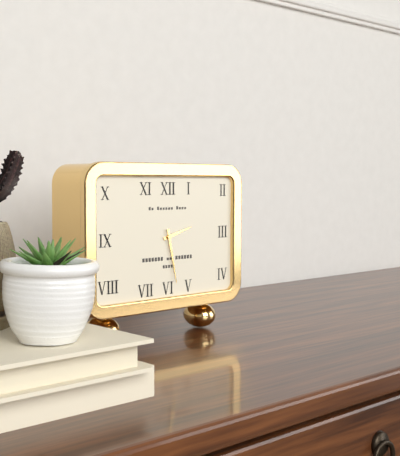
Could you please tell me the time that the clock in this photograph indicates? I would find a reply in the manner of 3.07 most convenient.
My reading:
2.28
